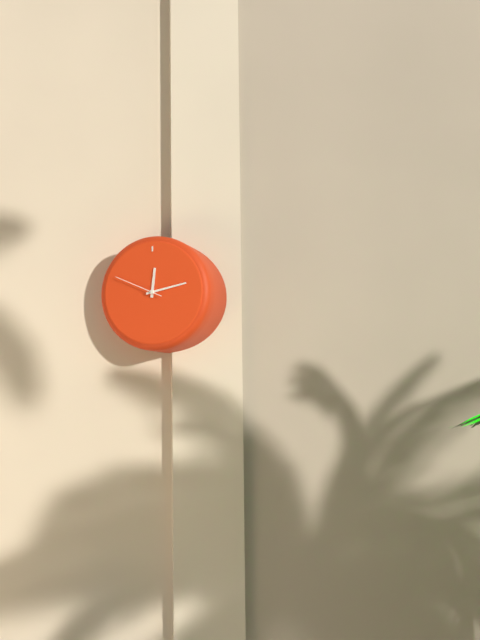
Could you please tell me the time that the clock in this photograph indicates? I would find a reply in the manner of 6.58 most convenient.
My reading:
12.13
